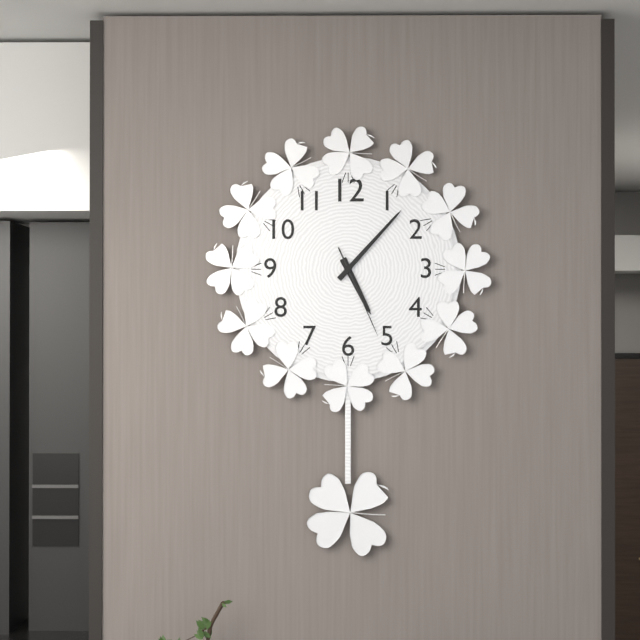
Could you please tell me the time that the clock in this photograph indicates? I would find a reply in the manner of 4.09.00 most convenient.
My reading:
5.07.26
